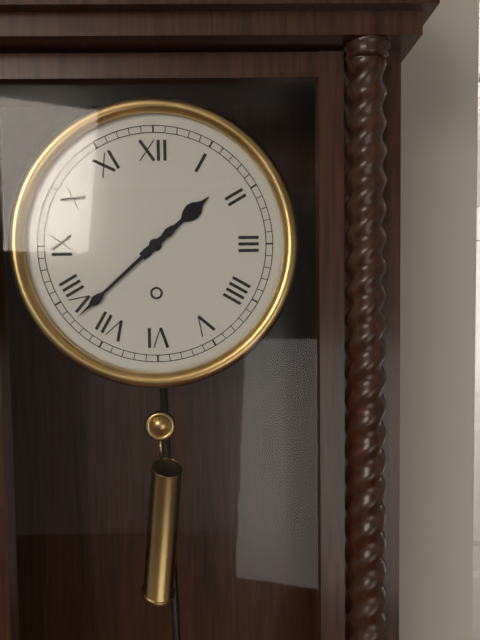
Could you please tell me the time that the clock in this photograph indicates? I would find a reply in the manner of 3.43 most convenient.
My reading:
1.38
